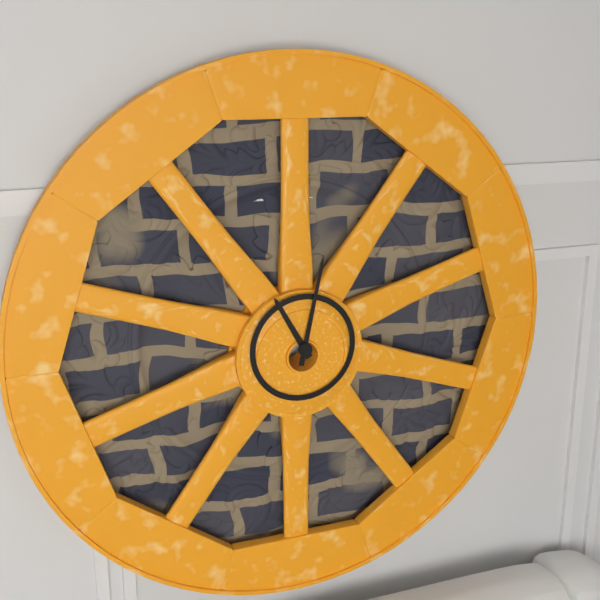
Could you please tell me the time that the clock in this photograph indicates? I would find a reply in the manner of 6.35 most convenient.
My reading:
11.02
